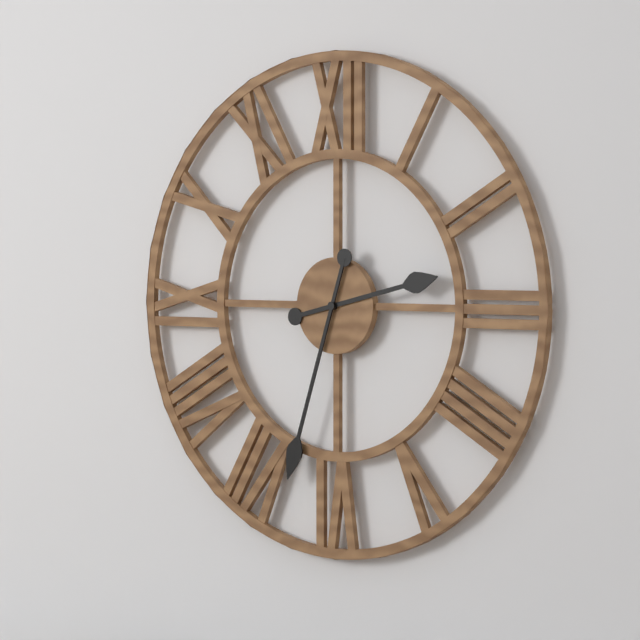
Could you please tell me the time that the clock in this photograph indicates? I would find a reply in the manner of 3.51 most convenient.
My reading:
2.33
